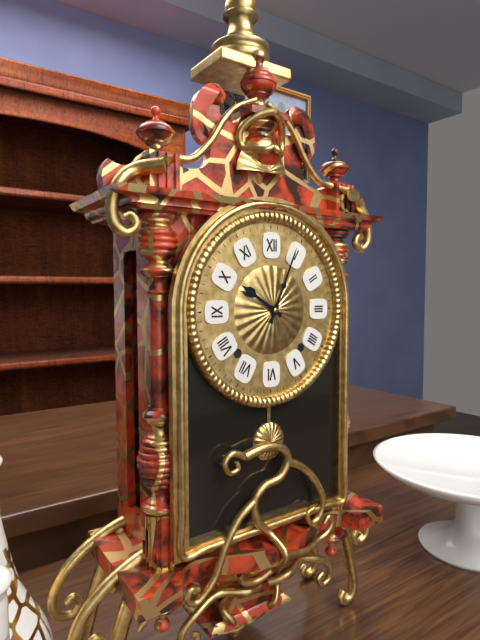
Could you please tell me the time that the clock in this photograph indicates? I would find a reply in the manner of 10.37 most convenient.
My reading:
10.04
